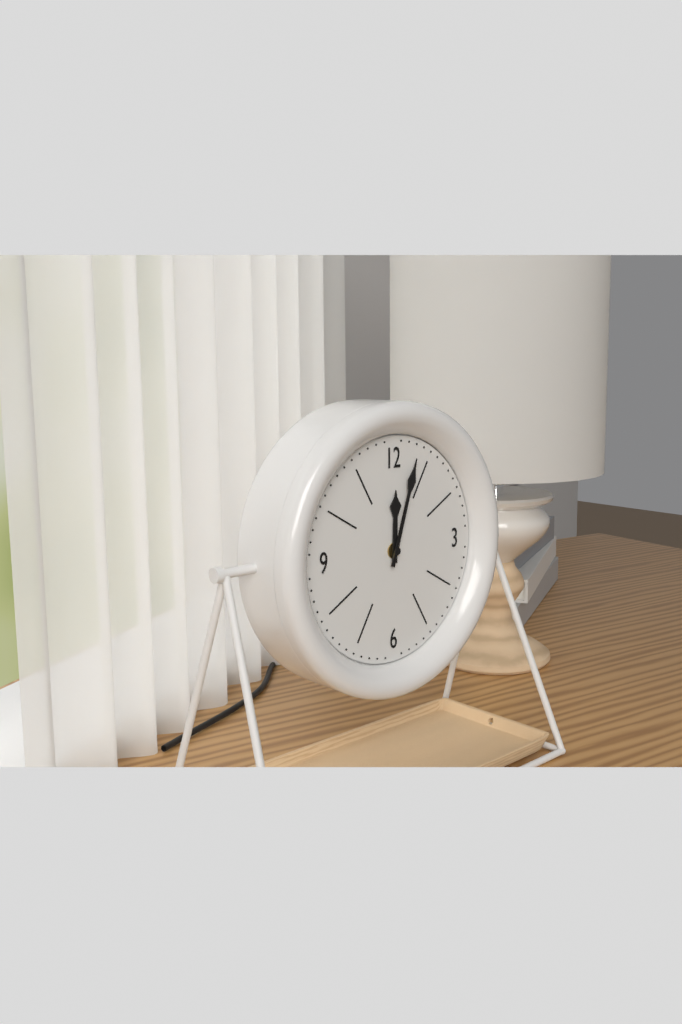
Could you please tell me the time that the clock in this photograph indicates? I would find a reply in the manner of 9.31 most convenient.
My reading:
12.03
